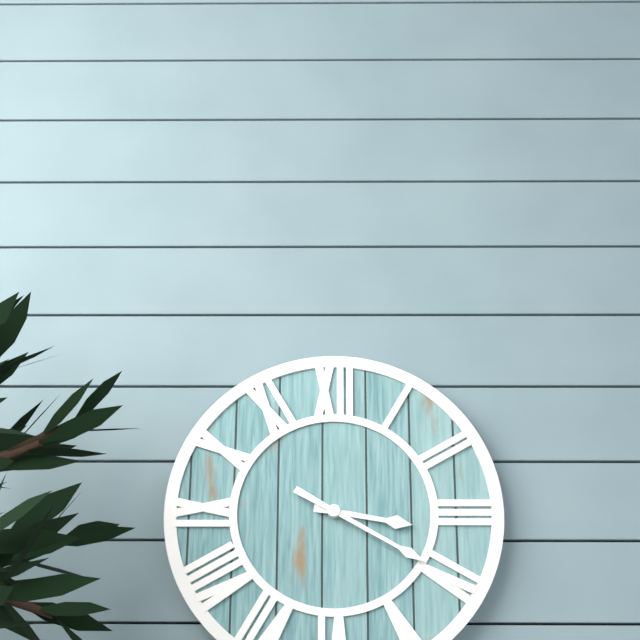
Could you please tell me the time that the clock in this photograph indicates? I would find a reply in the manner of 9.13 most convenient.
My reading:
3.20
